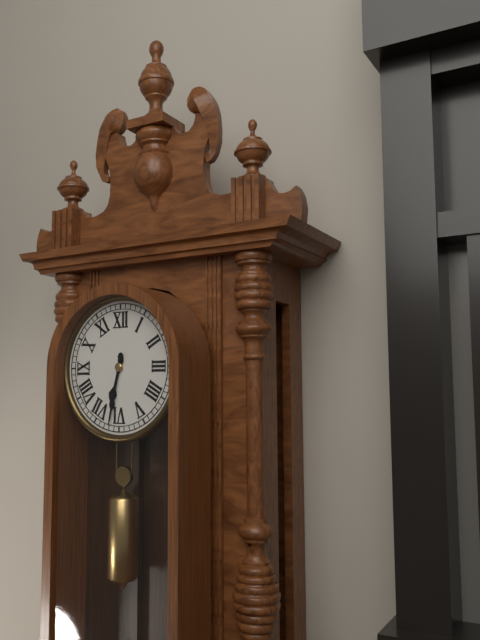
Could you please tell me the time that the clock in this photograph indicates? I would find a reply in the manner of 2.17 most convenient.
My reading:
6.32
